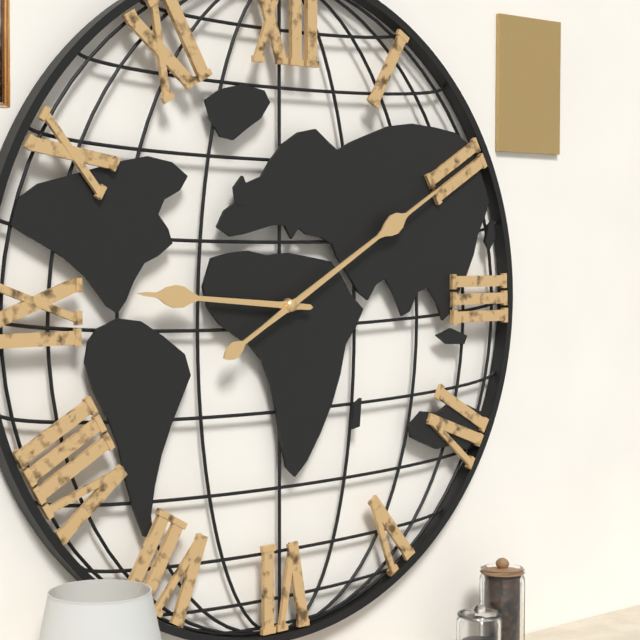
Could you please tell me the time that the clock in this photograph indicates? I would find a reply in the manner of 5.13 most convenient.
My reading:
9.10
